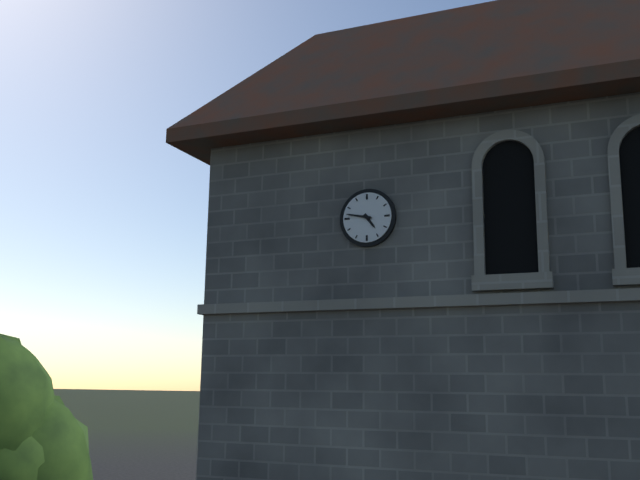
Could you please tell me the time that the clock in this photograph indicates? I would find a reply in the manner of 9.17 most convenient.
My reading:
4.47
